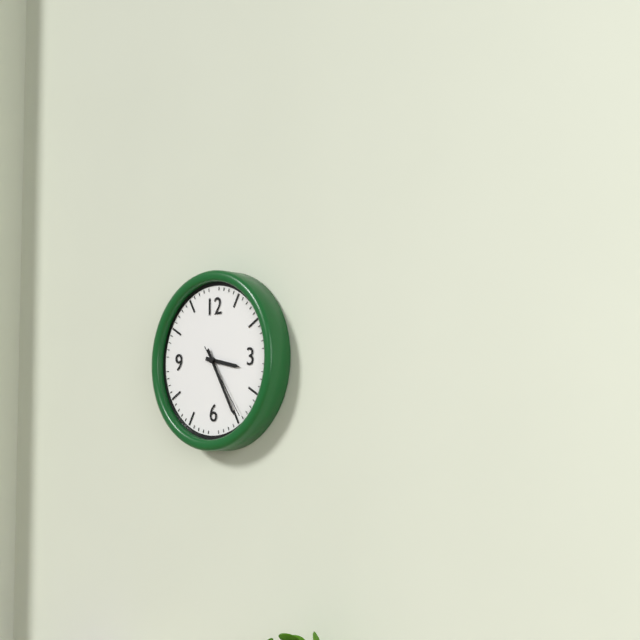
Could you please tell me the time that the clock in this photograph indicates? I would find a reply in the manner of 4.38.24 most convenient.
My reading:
3.25.24
